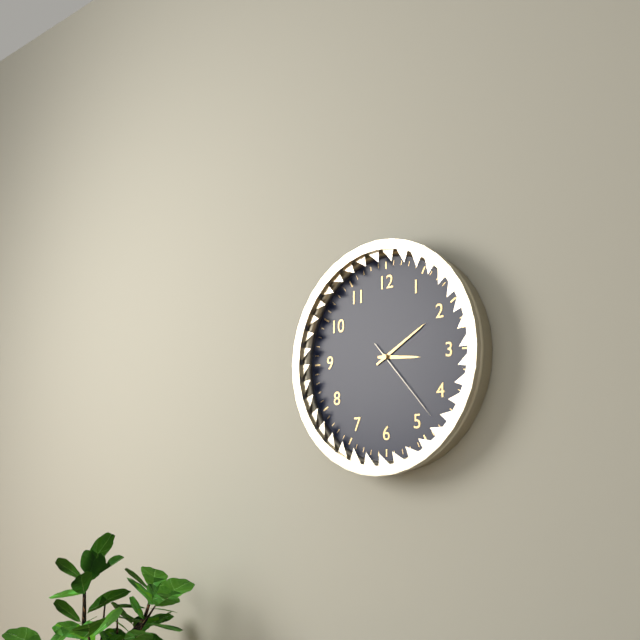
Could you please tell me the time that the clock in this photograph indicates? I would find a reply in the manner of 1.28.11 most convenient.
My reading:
3.10.23
